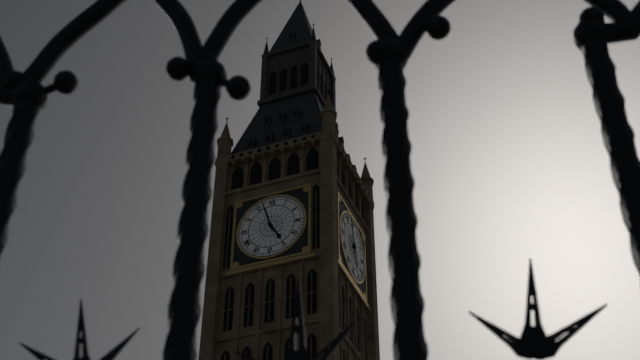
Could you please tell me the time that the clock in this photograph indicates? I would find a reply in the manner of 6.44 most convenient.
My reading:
4.57
